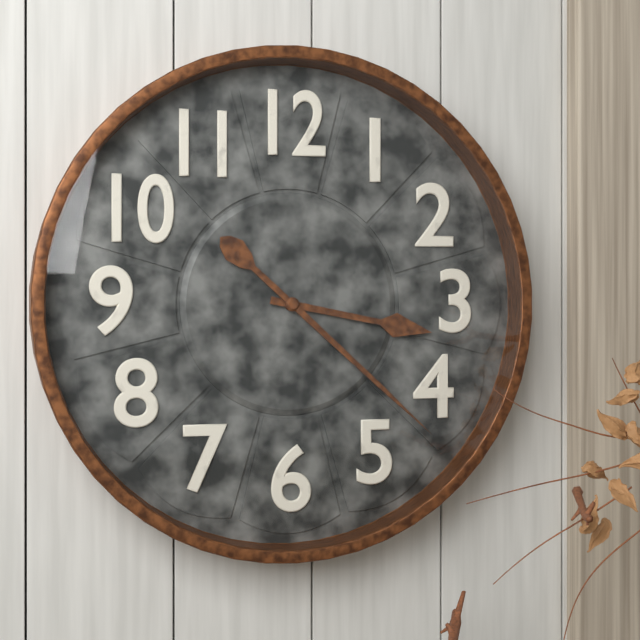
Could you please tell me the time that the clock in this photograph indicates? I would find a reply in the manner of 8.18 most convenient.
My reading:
3.22
